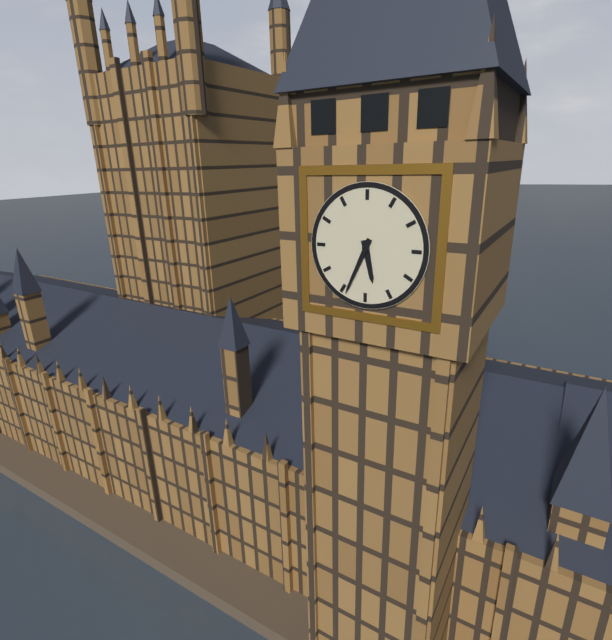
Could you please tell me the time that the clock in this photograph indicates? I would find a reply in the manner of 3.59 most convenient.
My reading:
5.34
